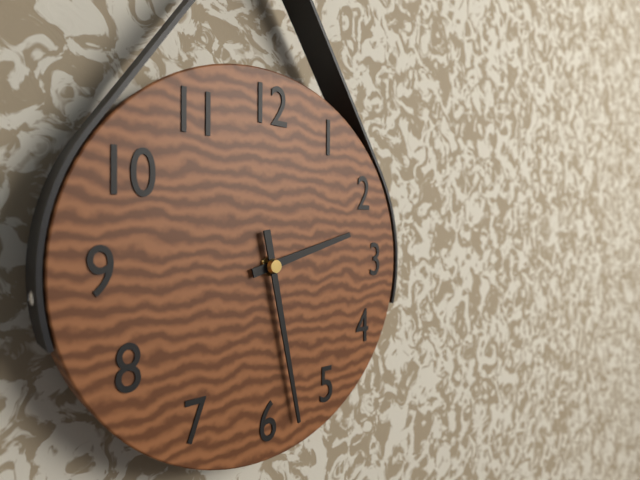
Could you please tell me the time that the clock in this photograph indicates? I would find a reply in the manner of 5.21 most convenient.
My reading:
2.28
